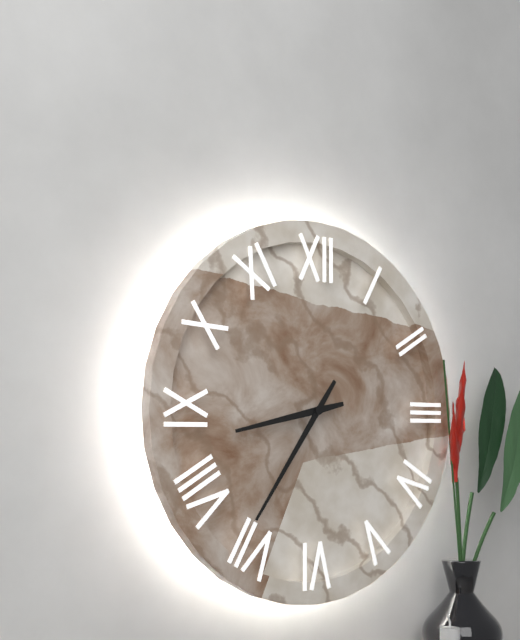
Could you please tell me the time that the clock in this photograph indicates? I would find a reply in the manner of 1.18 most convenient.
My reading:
8.36
